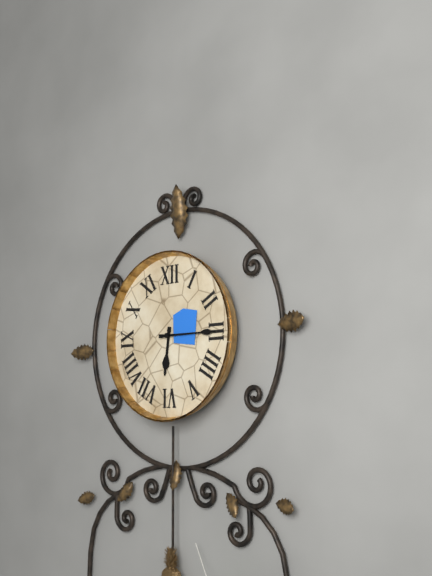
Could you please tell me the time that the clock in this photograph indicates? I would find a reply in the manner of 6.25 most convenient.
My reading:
6.15
